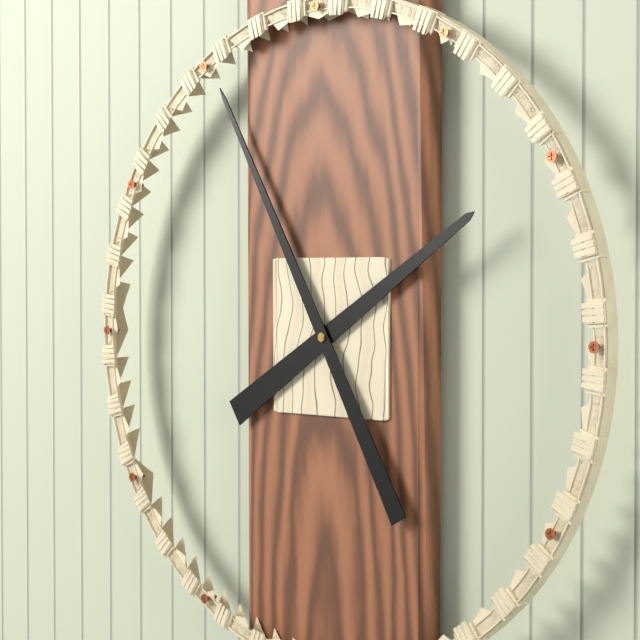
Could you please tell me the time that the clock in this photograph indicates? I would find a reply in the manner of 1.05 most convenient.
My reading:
1.55
